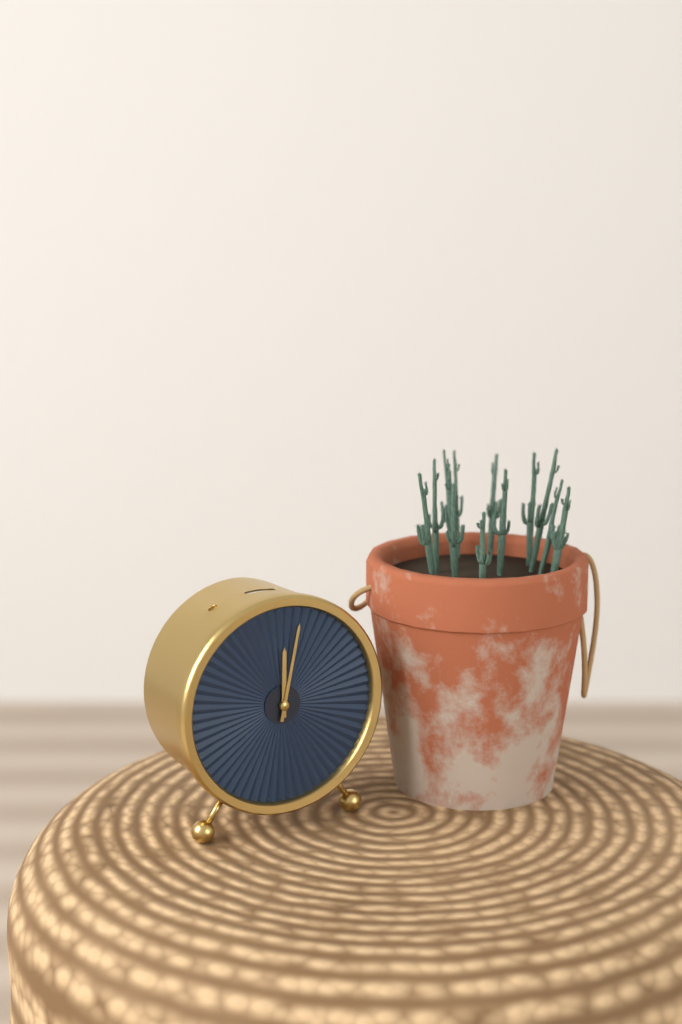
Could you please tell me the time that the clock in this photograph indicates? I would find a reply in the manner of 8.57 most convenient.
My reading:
12.02
